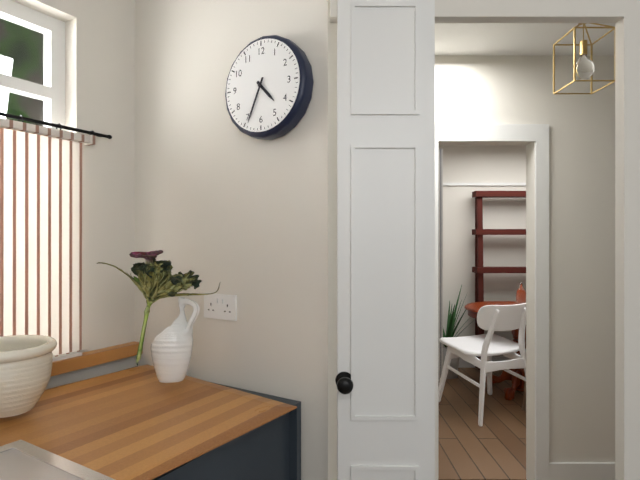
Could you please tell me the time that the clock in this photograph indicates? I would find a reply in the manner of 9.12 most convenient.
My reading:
4.34
